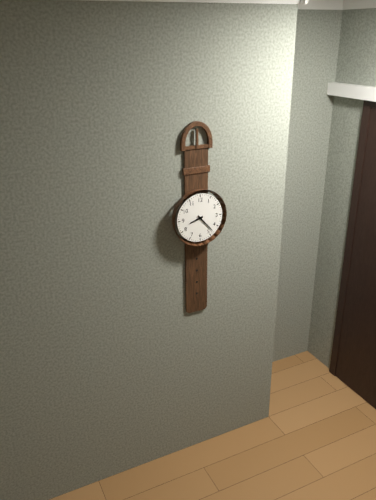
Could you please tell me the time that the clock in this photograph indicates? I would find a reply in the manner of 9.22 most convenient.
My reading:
8.23
